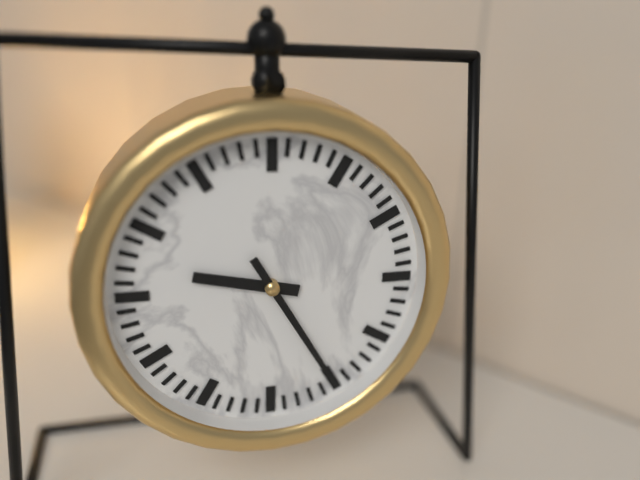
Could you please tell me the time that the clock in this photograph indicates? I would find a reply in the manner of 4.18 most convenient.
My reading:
9.25
